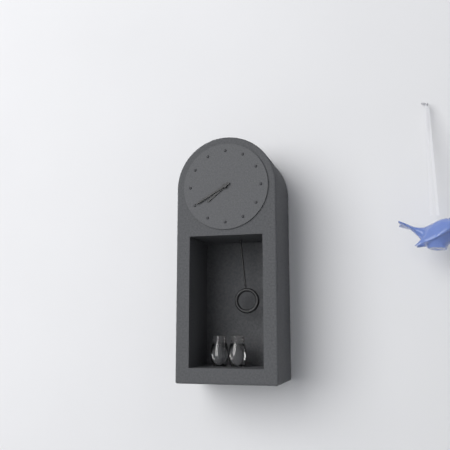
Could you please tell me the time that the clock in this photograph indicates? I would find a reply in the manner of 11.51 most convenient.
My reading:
7.40
